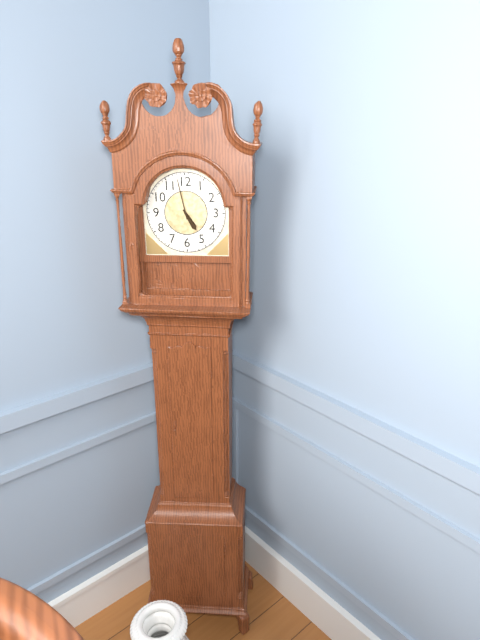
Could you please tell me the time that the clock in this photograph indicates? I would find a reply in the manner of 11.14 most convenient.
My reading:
4.58
